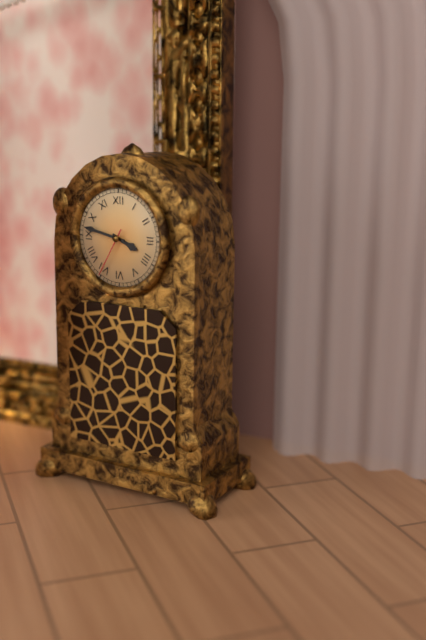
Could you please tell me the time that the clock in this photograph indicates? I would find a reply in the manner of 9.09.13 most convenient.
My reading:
3.47.35
